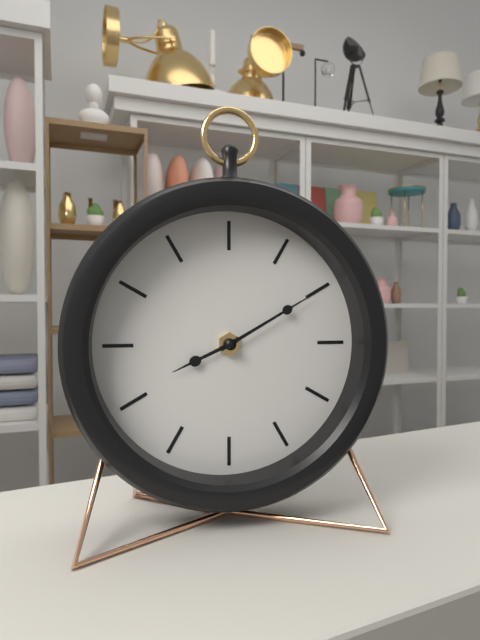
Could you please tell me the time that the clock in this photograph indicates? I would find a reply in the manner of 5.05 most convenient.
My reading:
8.10
